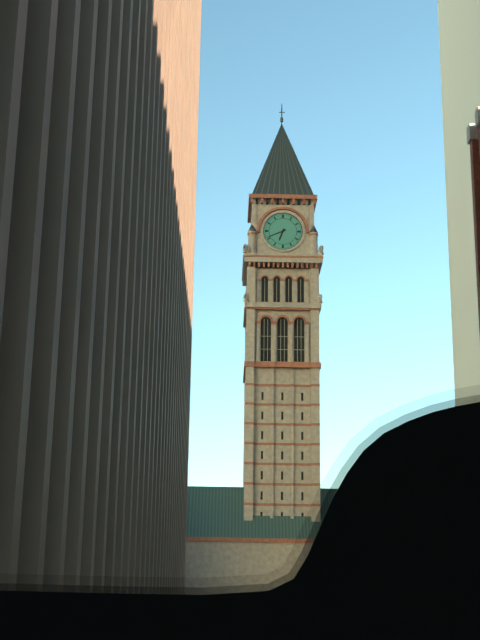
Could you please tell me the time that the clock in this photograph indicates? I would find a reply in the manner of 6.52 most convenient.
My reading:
6.41
